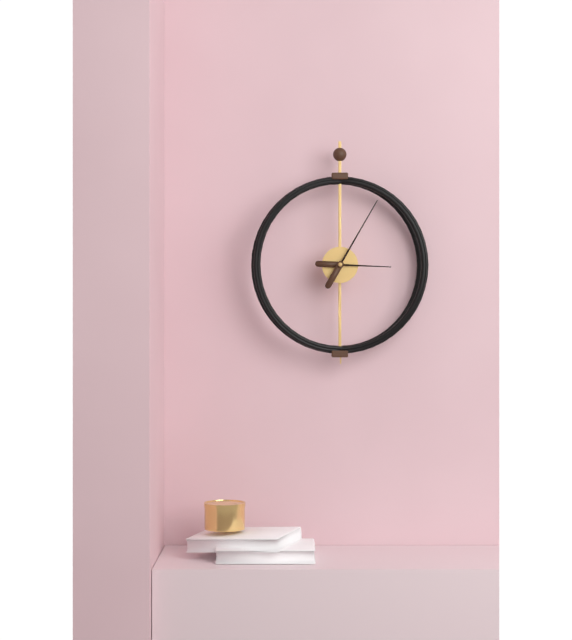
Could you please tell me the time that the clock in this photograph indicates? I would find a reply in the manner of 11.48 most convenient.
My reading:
3.05
